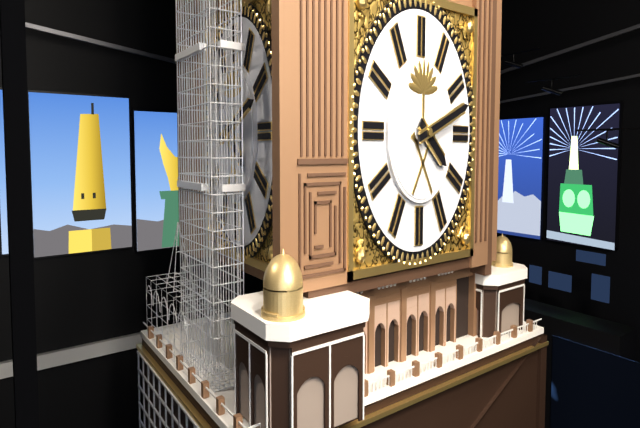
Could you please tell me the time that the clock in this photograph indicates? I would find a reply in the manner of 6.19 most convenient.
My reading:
4.12
